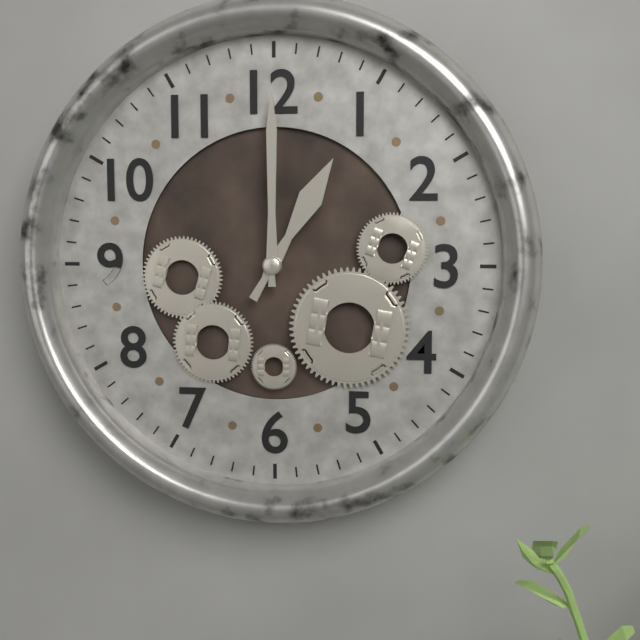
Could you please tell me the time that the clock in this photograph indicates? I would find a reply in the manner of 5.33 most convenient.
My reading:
1.00
